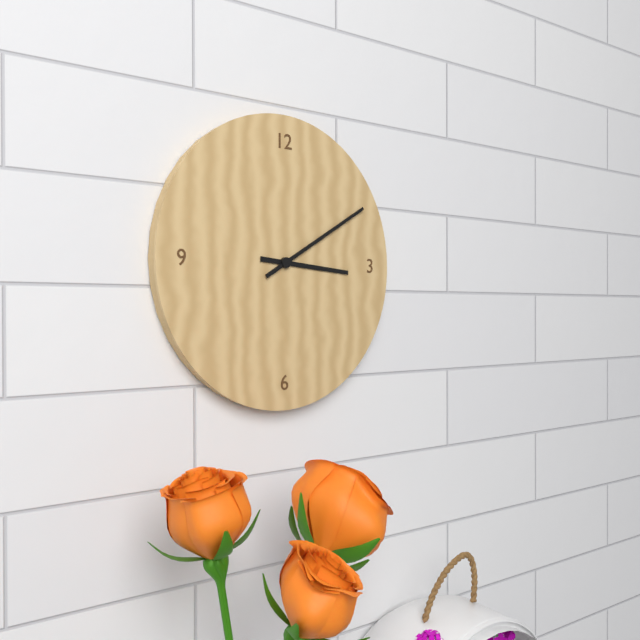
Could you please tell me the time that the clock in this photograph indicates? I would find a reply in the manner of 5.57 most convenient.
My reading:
3.10
